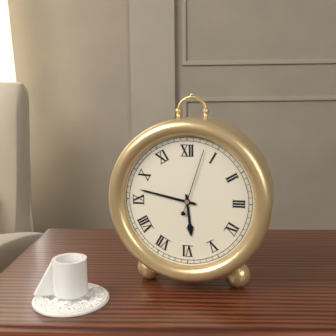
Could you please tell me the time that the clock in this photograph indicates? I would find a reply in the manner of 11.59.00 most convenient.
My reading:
5.47.03
